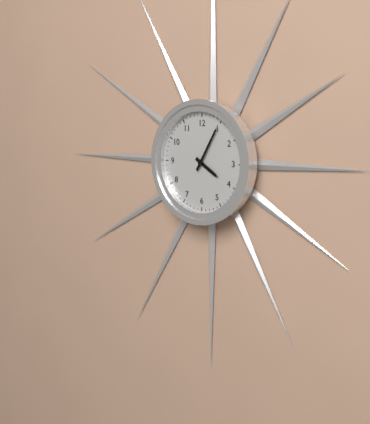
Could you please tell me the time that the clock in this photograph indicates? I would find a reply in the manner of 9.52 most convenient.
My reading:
4.05
